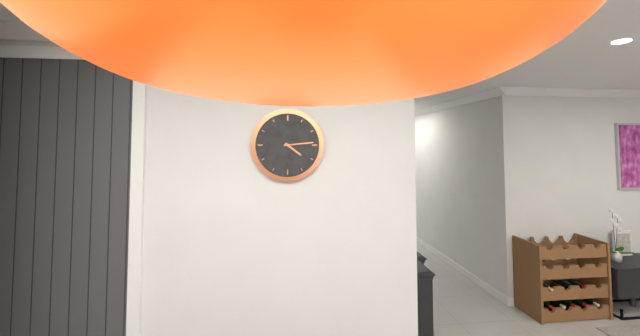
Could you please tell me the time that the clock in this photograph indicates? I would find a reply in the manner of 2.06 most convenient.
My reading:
4.14
